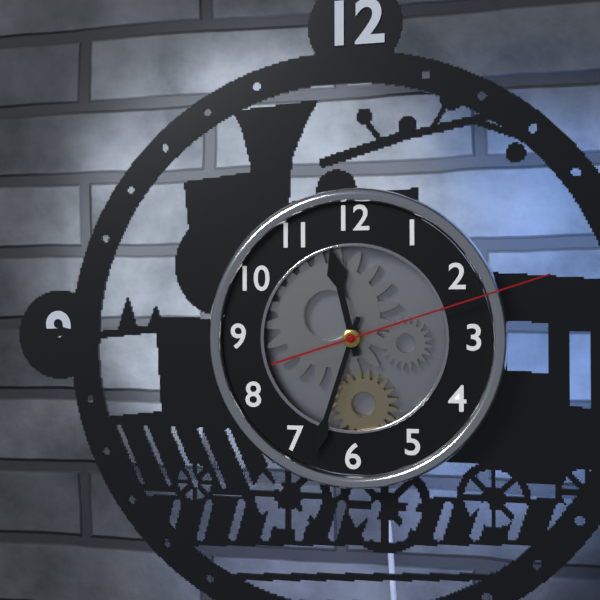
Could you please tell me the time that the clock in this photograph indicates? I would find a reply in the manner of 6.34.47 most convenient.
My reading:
11.33.12
